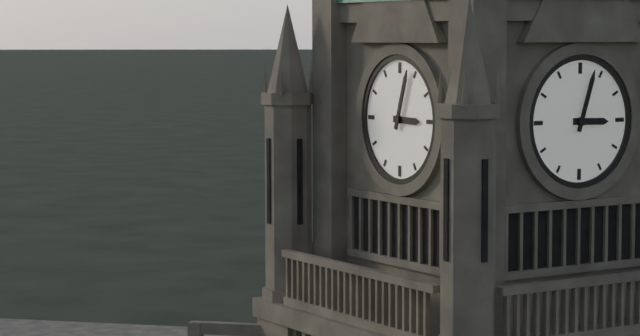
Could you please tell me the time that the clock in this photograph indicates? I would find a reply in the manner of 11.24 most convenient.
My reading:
3.03
